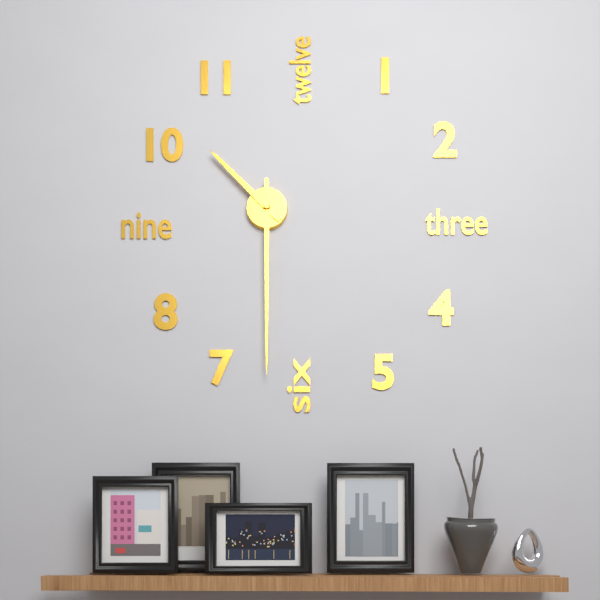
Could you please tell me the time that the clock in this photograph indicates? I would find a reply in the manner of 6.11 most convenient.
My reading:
10.30
